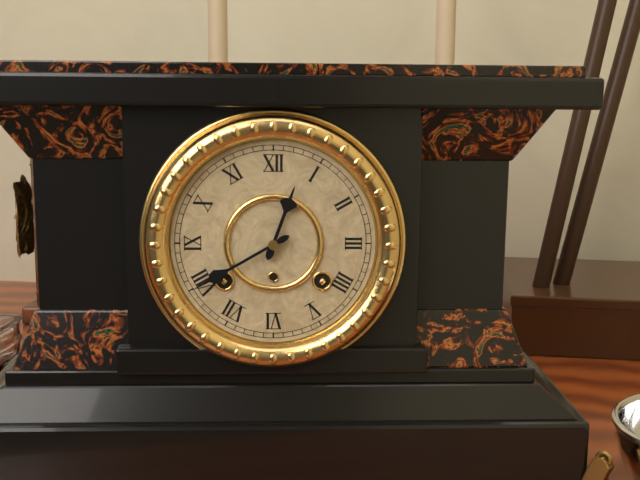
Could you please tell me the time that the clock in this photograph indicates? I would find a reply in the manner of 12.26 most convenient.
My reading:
12.40
